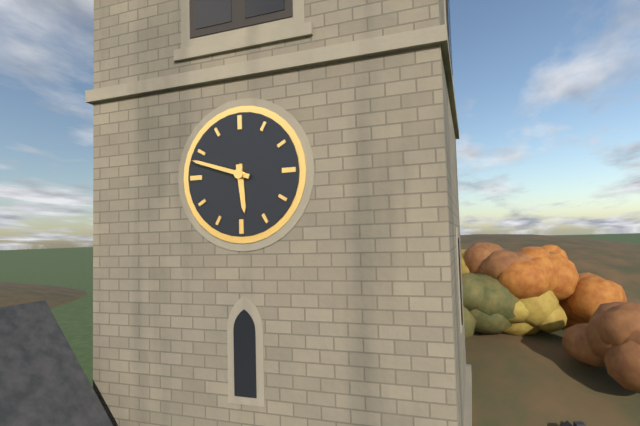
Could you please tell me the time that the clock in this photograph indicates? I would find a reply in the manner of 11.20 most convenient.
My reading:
5.48
